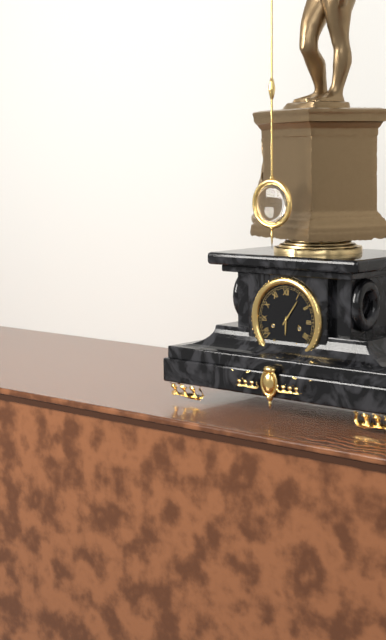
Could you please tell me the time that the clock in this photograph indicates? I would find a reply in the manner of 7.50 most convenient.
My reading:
6.06
